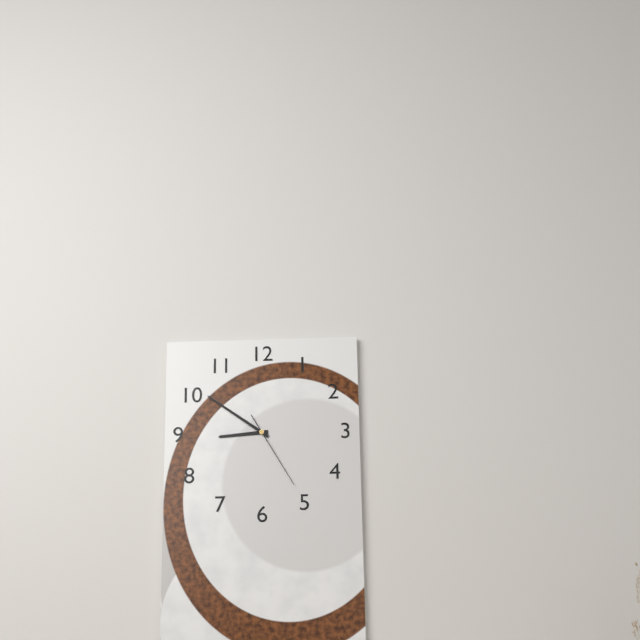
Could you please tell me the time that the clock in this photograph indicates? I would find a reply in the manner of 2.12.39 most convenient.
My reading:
8.51.25
